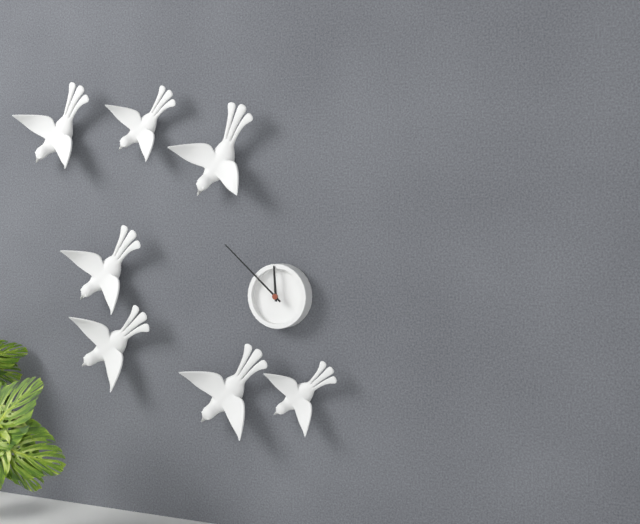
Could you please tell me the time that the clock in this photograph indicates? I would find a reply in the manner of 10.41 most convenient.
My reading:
11.52
